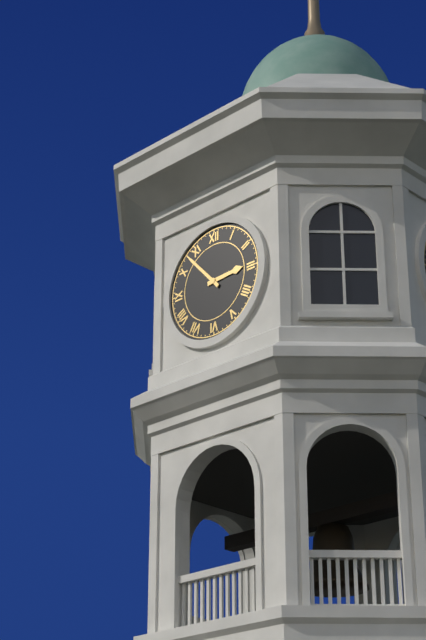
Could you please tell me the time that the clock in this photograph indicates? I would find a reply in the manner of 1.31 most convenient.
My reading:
2.53
